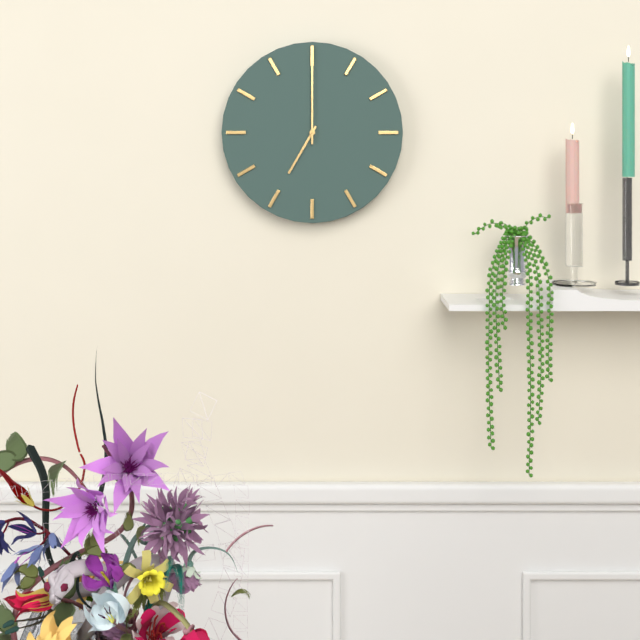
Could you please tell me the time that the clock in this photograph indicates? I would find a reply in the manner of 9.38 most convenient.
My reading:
7.00
